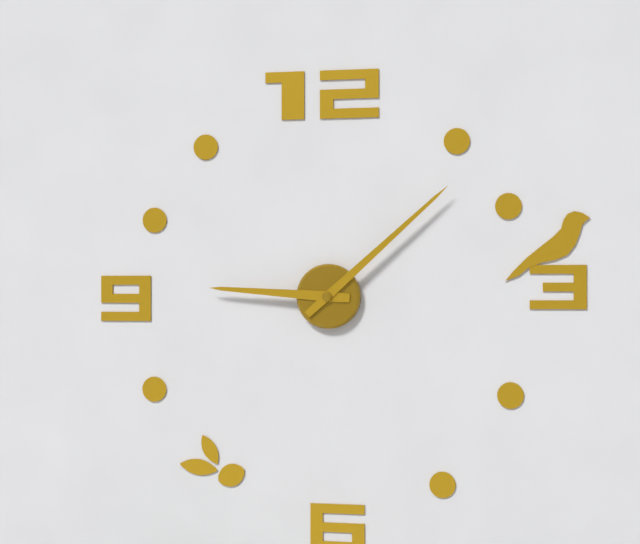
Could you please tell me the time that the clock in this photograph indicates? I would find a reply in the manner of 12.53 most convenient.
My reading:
9.08
